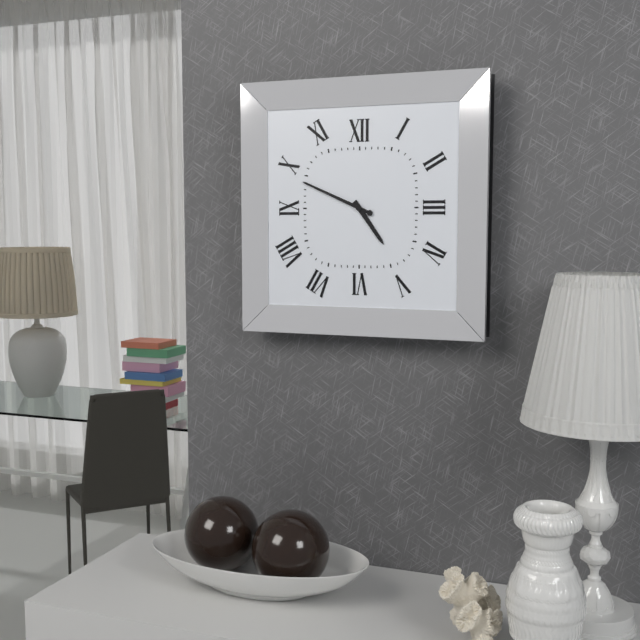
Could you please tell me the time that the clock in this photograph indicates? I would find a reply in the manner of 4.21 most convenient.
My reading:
4.49
